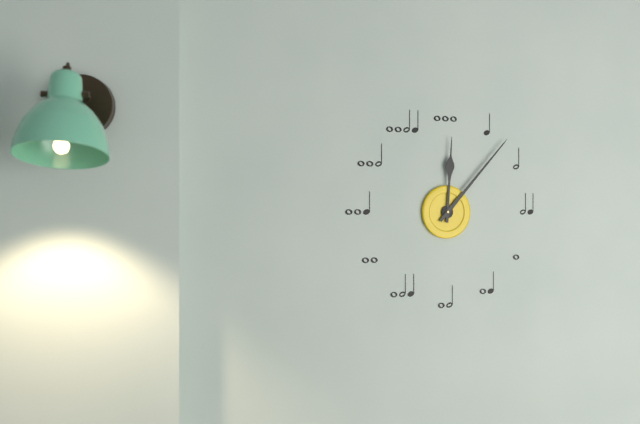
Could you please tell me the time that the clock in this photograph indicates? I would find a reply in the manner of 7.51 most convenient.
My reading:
12.07
